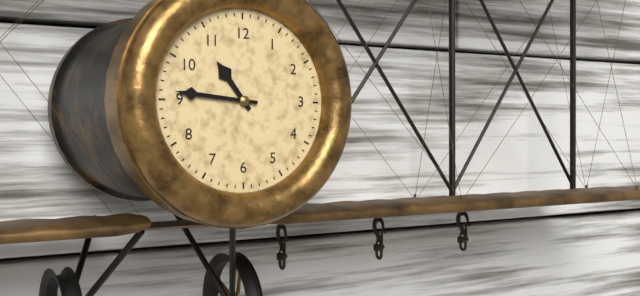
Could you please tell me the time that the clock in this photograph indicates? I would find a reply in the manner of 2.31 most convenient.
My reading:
10.46
